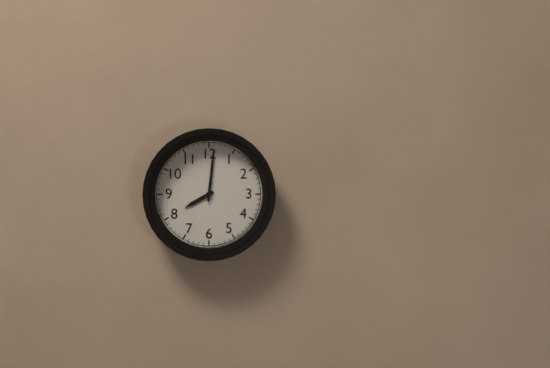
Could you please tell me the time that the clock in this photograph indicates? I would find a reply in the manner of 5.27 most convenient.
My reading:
8.01
